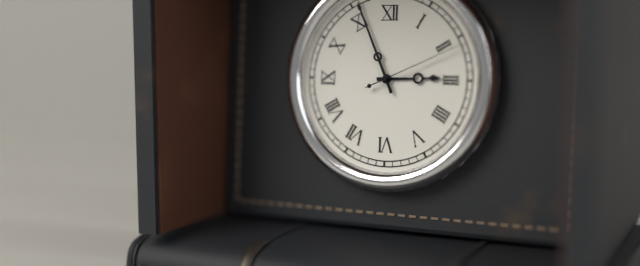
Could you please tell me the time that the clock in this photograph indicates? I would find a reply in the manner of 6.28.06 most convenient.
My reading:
2.56.11
